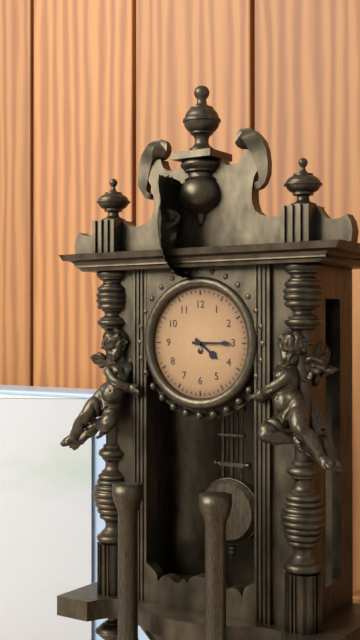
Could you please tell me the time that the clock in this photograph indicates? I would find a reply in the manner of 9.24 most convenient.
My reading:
4.15
